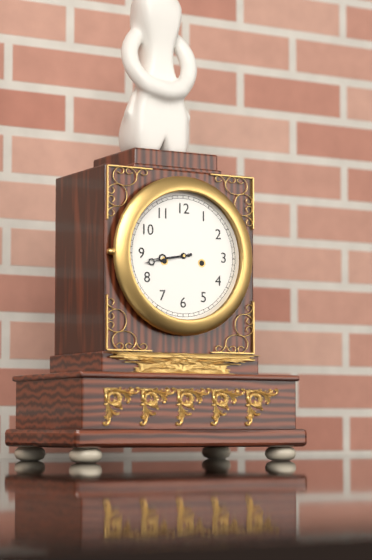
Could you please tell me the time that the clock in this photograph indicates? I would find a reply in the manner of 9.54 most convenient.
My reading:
8.43
